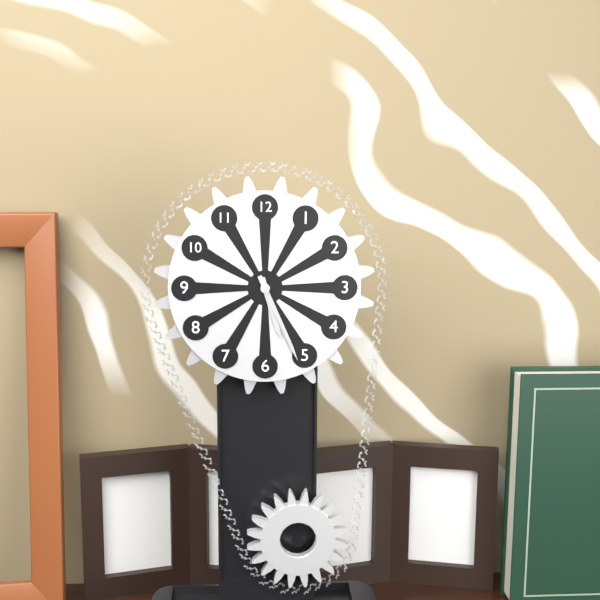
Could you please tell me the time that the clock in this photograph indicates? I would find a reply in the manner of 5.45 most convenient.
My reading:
5.26
